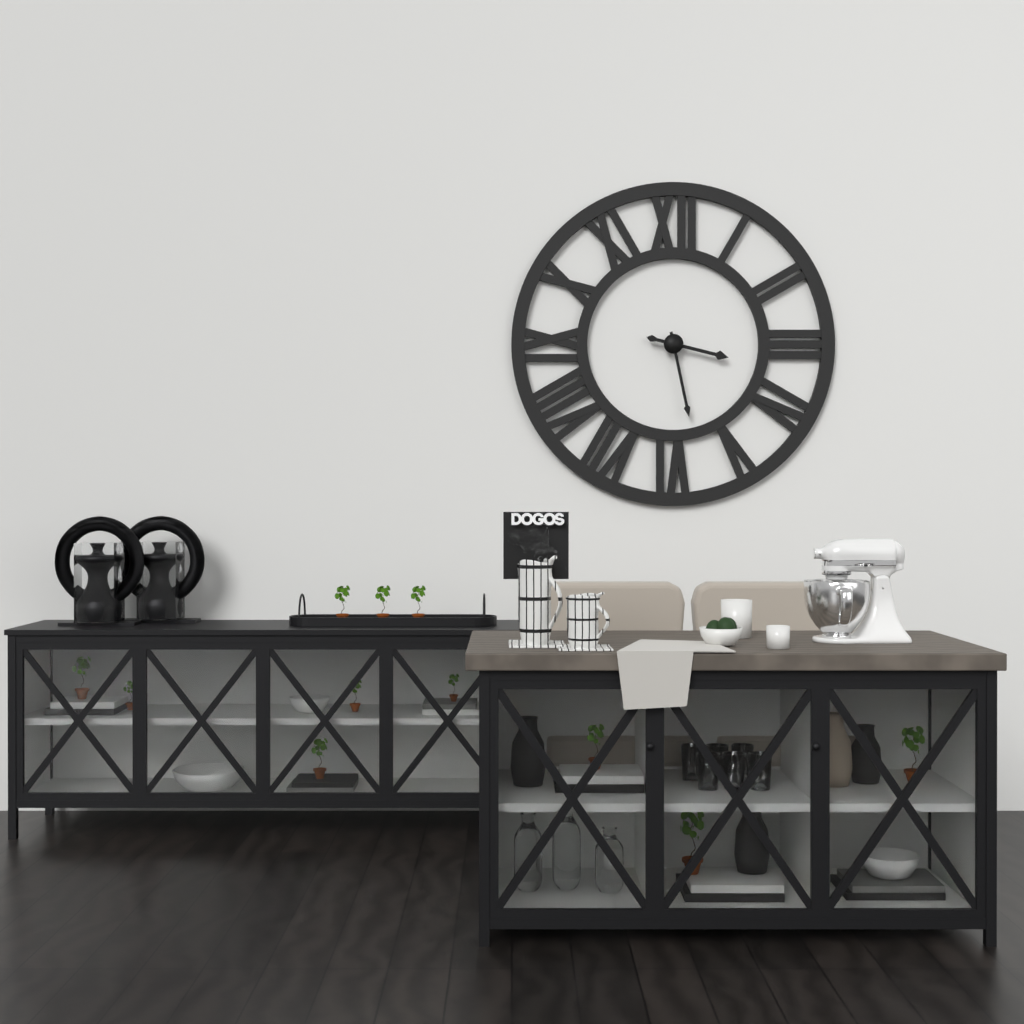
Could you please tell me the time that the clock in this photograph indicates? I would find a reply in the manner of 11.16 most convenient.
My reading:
3.28
